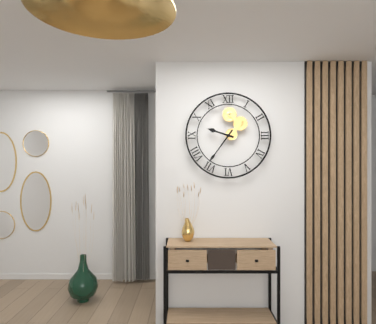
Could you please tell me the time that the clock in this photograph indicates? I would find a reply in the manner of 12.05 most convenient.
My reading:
9.36
